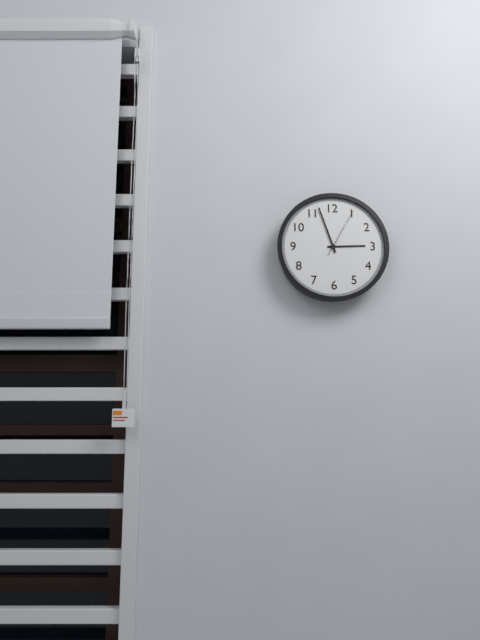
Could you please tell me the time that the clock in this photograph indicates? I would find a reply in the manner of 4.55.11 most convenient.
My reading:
2.57.05
